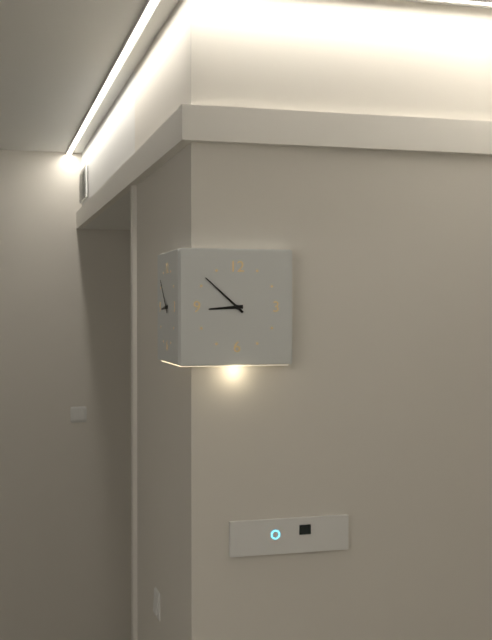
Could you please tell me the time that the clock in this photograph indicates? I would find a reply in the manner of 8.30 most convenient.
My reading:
8.52
